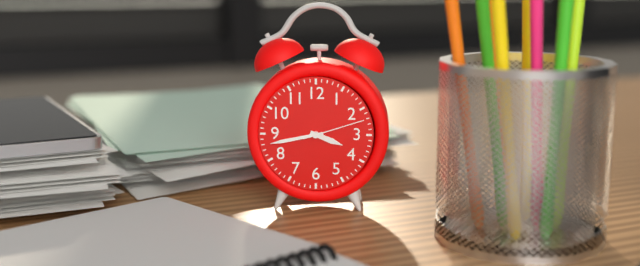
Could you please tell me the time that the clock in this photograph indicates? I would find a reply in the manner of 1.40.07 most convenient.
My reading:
3.43.12
